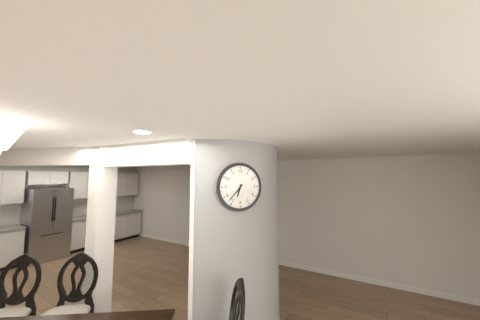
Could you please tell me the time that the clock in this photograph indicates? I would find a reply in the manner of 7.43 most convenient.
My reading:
6.37
